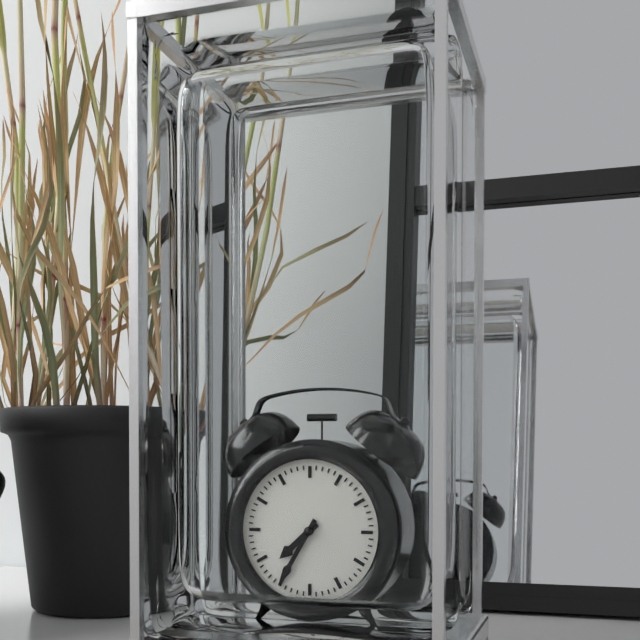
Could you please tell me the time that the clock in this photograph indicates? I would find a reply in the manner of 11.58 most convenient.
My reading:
7.35
